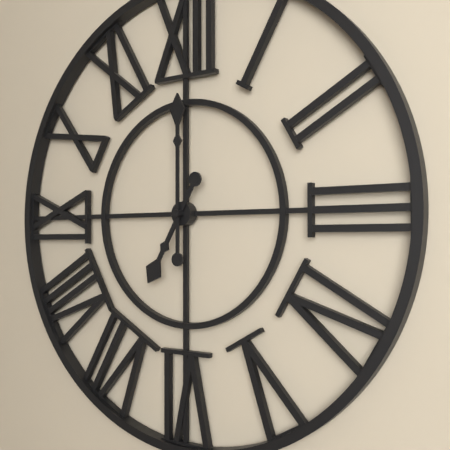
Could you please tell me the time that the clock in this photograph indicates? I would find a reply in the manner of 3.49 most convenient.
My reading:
7.00
